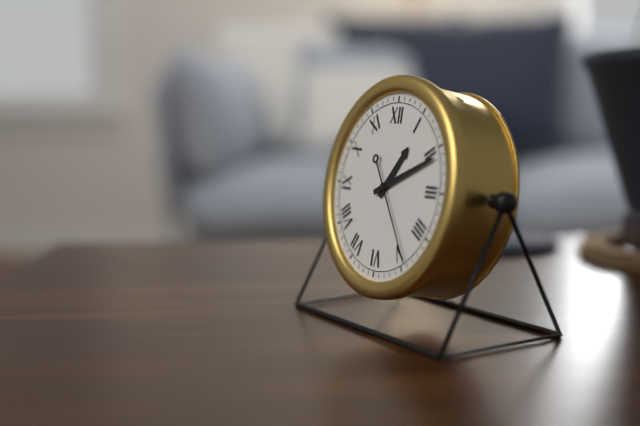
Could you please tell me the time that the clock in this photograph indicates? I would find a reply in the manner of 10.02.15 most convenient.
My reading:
1.11.24
